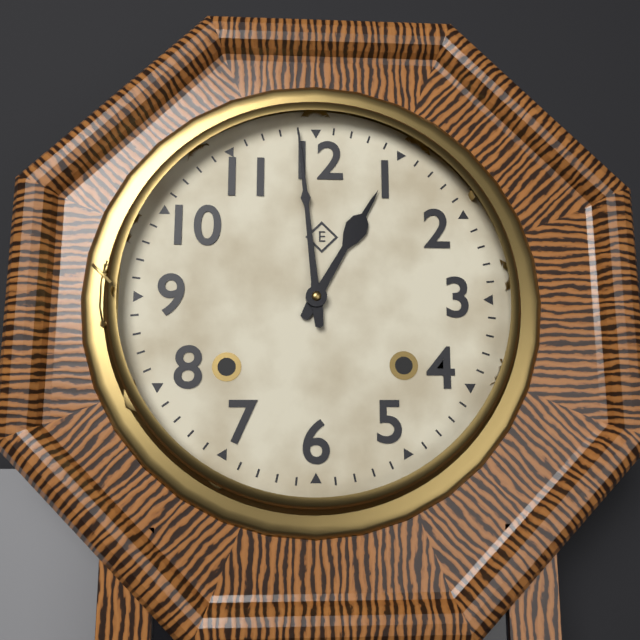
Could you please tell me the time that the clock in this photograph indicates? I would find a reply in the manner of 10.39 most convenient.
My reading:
12.59
